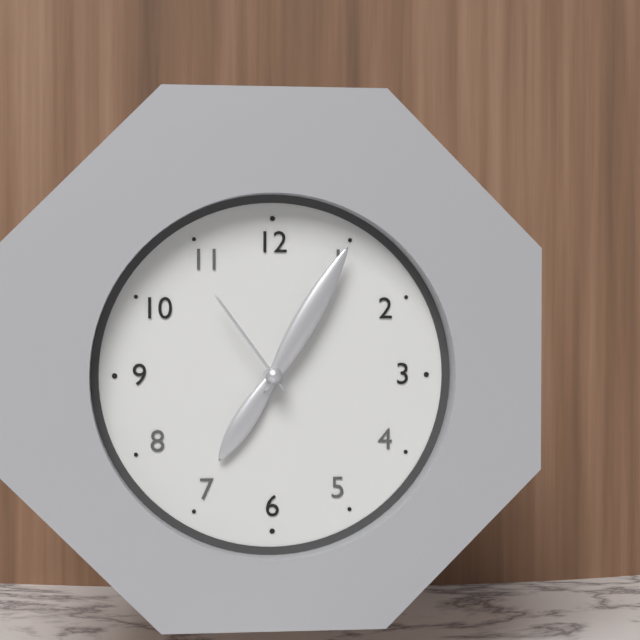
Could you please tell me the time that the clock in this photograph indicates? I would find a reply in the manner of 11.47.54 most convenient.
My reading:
7.05.54
